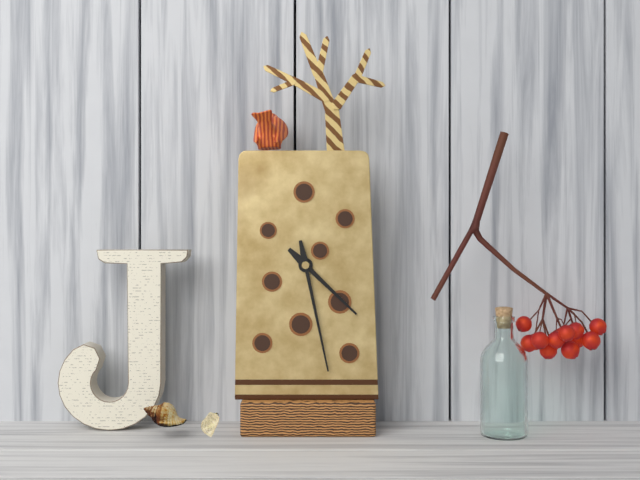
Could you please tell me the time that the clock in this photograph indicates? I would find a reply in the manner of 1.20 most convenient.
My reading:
4.28
